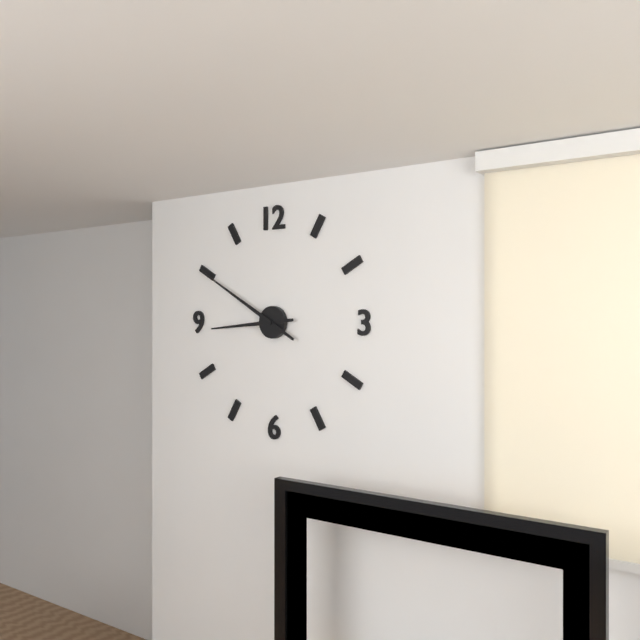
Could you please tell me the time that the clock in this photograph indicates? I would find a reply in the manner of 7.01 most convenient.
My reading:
8.50
